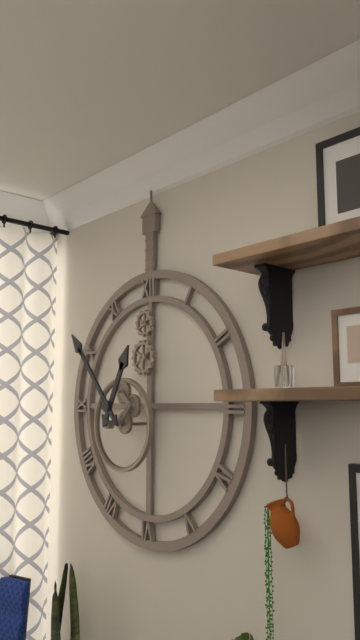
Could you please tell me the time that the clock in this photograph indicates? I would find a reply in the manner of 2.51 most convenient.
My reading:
12.53
